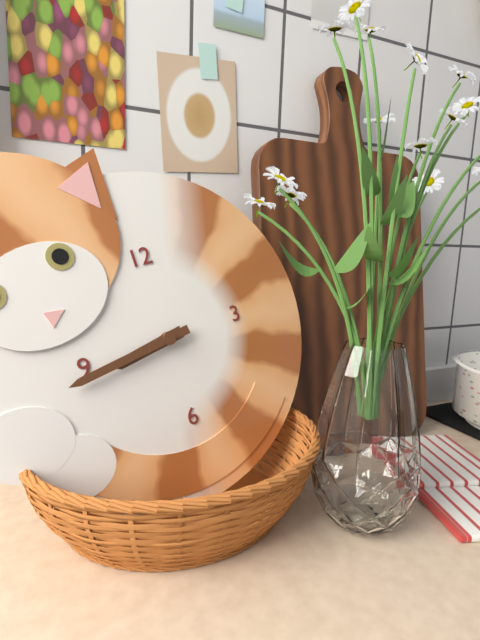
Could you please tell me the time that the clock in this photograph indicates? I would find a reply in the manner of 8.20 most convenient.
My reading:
8.44
